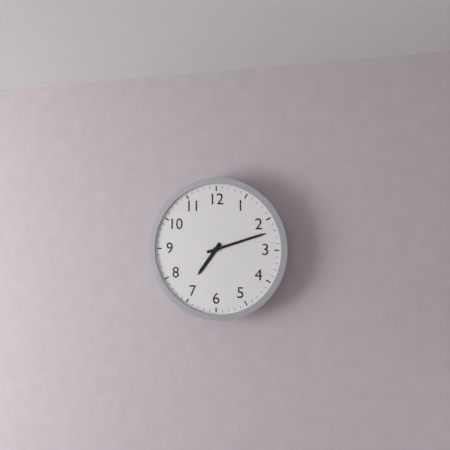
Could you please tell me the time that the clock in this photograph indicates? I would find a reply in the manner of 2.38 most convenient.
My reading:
7.12
